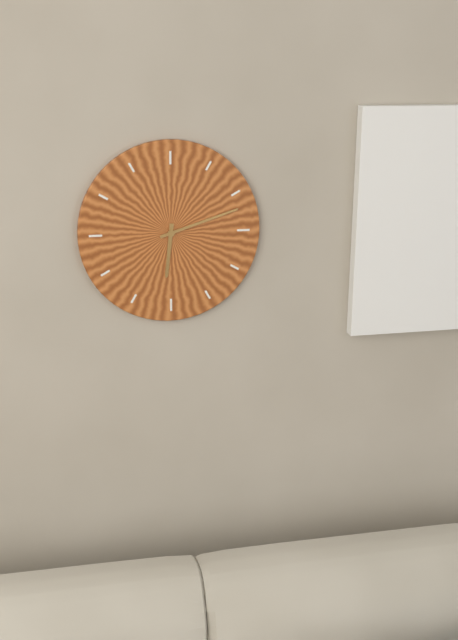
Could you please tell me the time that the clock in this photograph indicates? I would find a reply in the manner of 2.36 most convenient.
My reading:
6.12
